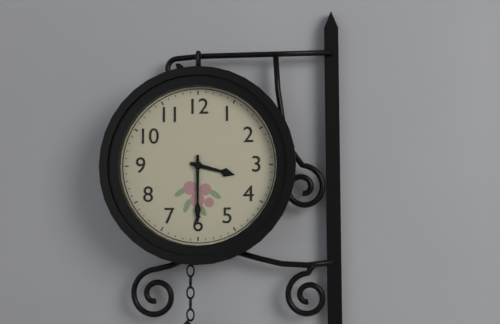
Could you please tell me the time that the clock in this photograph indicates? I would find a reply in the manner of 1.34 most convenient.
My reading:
3.30
